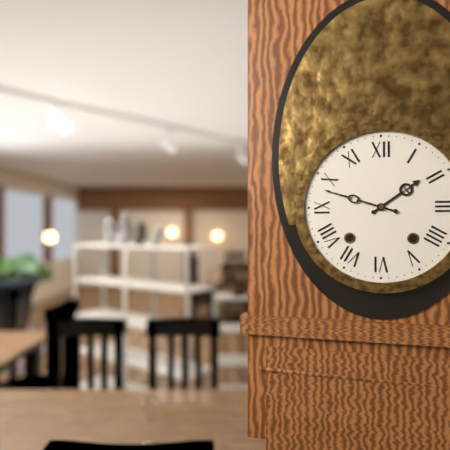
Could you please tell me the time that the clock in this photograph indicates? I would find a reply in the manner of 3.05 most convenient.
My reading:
1.48
